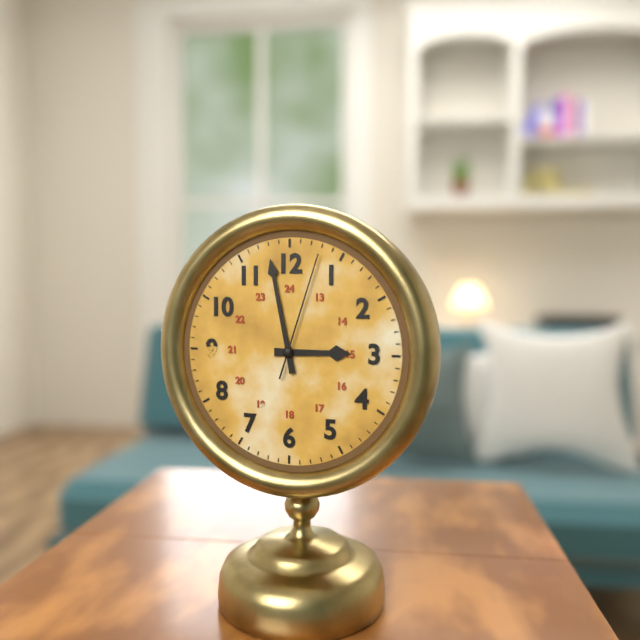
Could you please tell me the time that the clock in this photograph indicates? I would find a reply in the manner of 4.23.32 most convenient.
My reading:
2.58.03
